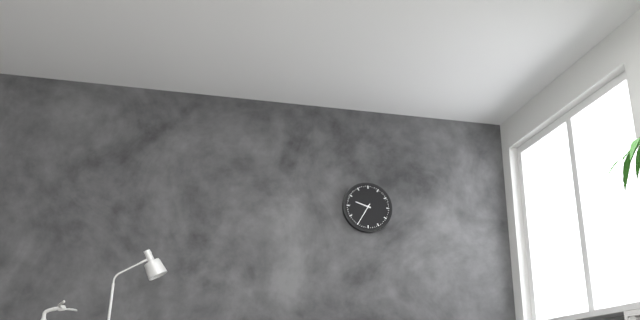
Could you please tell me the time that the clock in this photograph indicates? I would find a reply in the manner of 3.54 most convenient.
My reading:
9.35
